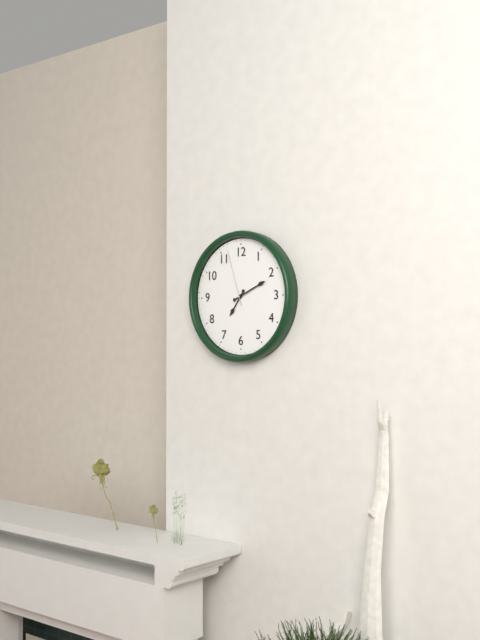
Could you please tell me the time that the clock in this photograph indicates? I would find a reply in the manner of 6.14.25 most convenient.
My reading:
7.11.57
